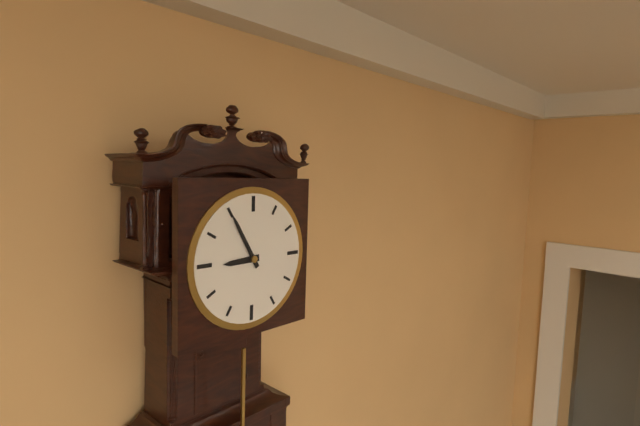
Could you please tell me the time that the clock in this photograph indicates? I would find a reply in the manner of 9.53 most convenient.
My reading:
8.55
